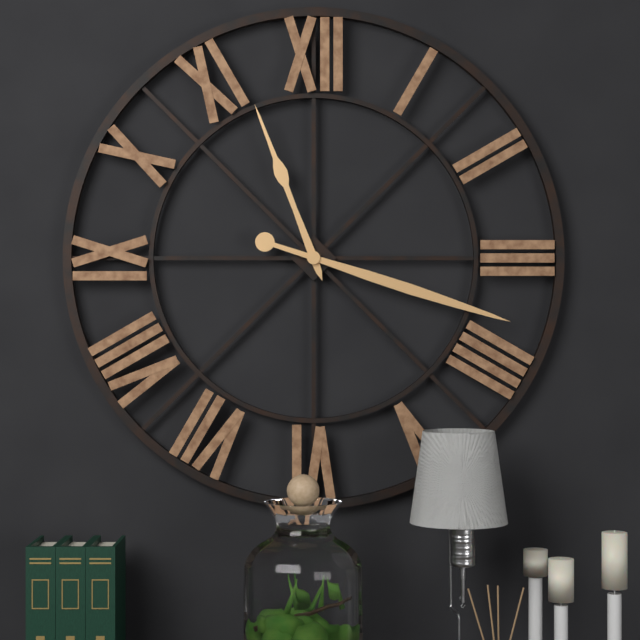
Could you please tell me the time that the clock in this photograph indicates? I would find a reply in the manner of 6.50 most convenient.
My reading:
11.18
